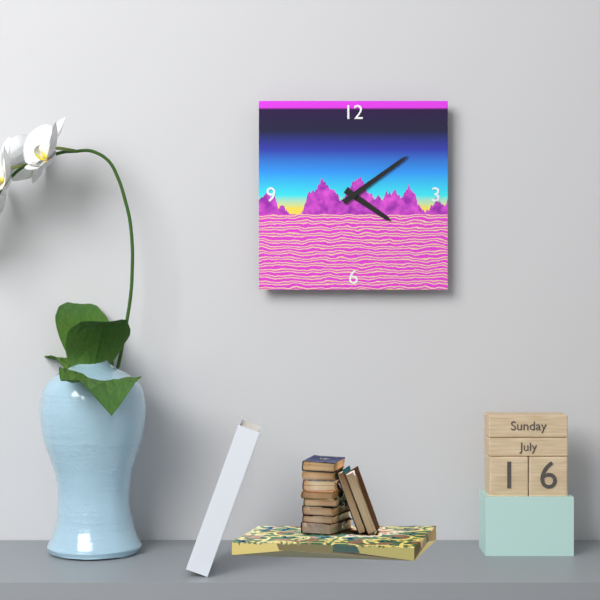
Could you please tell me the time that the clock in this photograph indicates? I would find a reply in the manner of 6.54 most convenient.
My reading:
4.09
